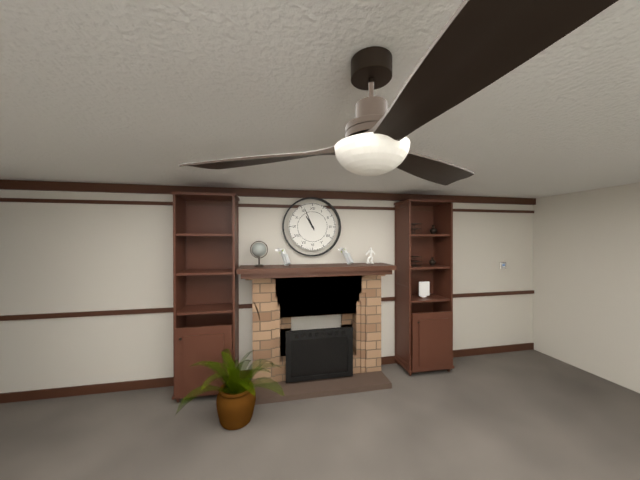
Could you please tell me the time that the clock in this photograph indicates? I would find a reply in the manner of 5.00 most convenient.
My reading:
10.56
